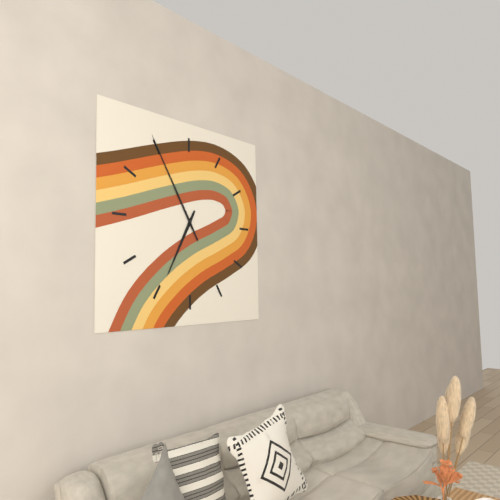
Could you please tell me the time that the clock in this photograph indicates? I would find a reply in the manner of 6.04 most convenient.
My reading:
6.55
